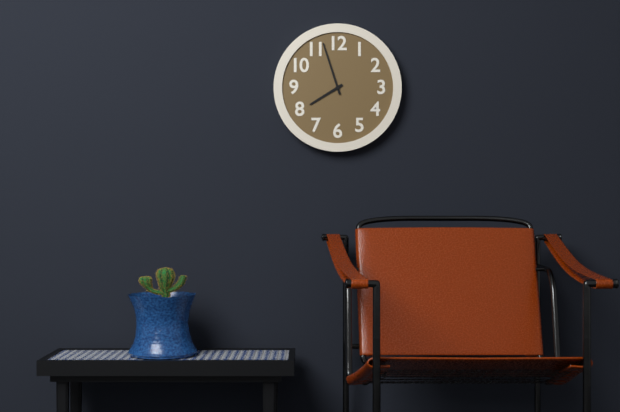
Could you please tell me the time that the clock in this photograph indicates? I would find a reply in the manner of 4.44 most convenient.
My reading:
7.57
